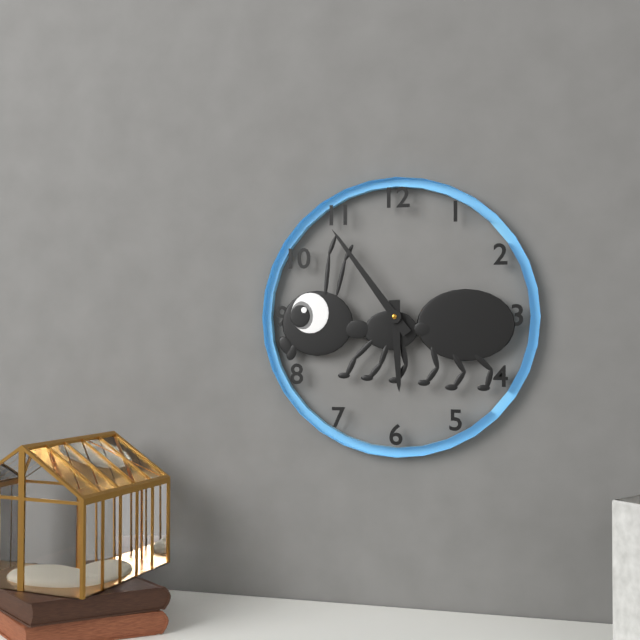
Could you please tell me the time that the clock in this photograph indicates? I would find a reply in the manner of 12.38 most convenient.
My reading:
5.54
